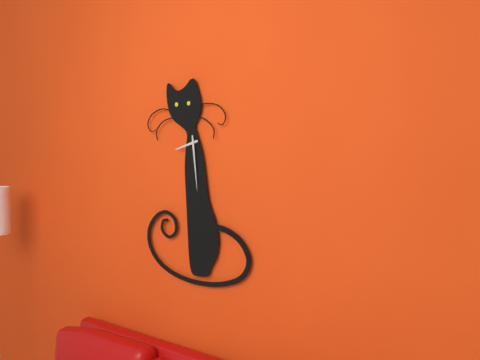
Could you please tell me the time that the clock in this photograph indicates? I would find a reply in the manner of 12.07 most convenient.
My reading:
8.29
